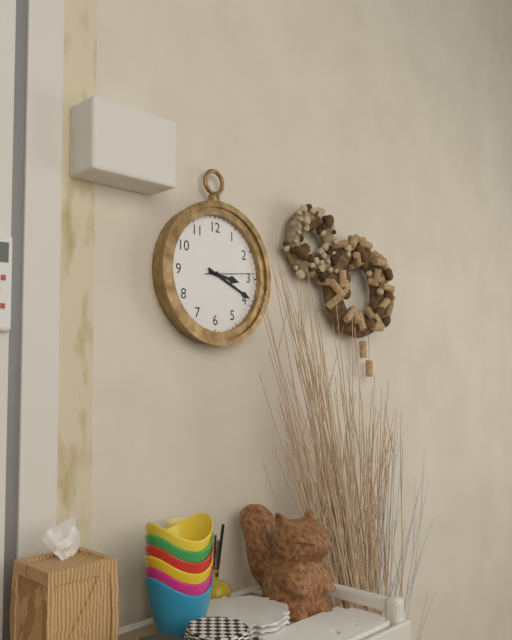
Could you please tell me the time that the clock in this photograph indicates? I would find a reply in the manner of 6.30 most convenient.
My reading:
3.19
